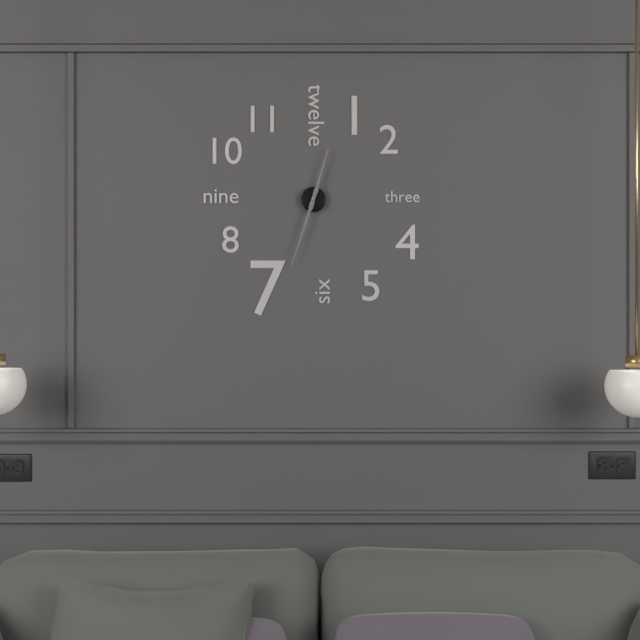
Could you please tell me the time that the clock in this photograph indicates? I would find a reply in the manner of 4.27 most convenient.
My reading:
12.33
